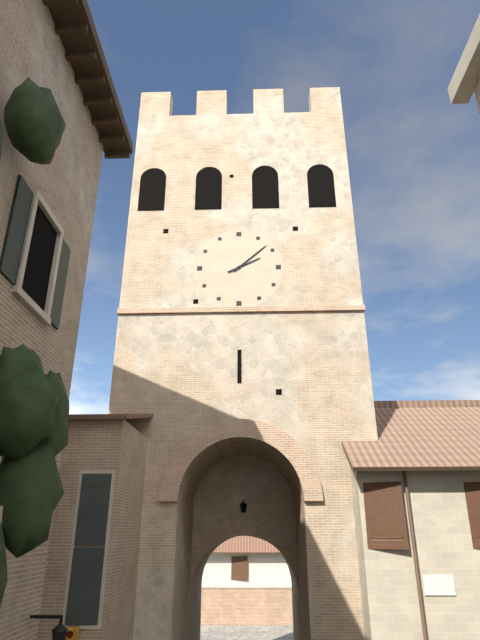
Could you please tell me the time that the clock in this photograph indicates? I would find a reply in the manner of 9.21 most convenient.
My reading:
2.08
